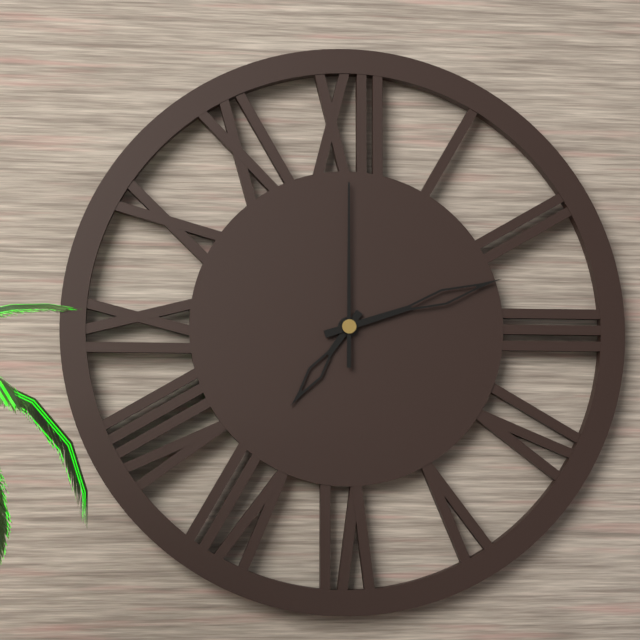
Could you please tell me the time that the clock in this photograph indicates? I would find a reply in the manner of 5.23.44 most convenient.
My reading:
7.12.00
